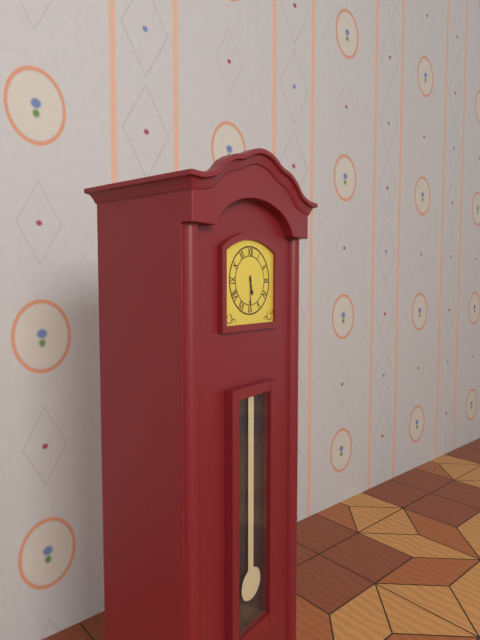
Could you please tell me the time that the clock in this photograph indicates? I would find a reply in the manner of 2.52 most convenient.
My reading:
5.30
